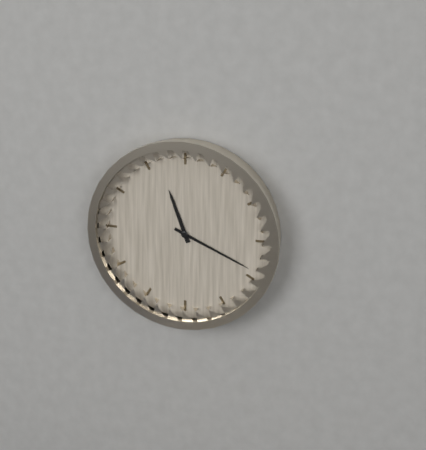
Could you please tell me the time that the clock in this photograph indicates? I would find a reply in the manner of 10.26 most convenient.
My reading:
11.19
